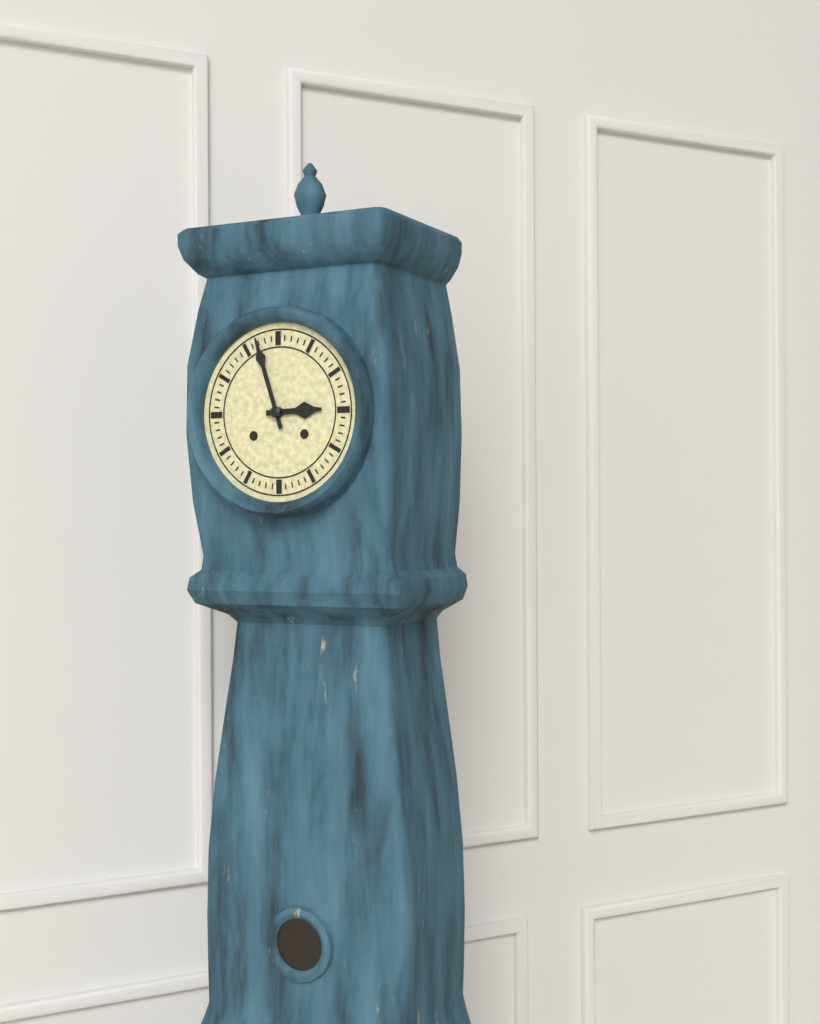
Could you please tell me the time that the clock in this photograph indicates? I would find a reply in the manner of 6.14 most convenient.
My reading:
2.57
